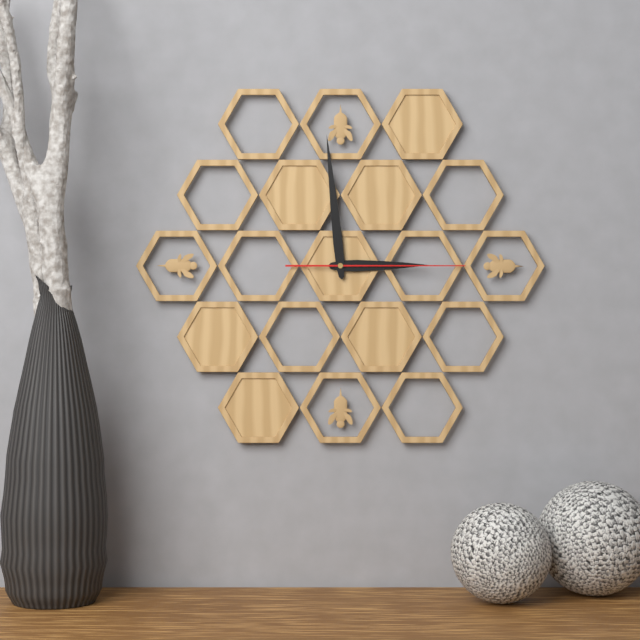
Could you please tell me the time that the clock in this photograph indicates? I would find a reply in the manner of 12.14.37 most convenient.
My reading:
2.59.15
